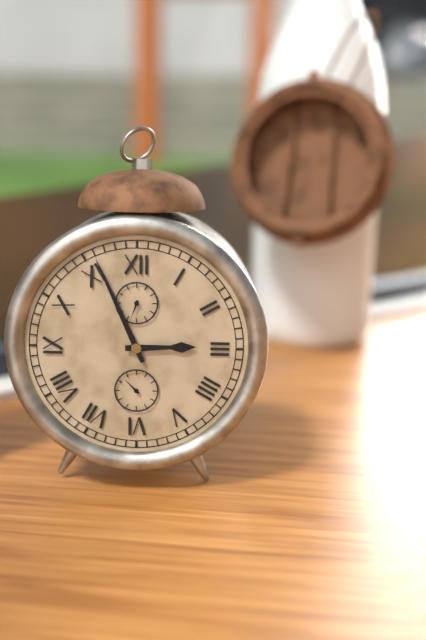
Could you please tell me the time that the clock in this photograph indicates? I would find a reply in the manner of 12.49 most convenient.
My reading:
2.56
